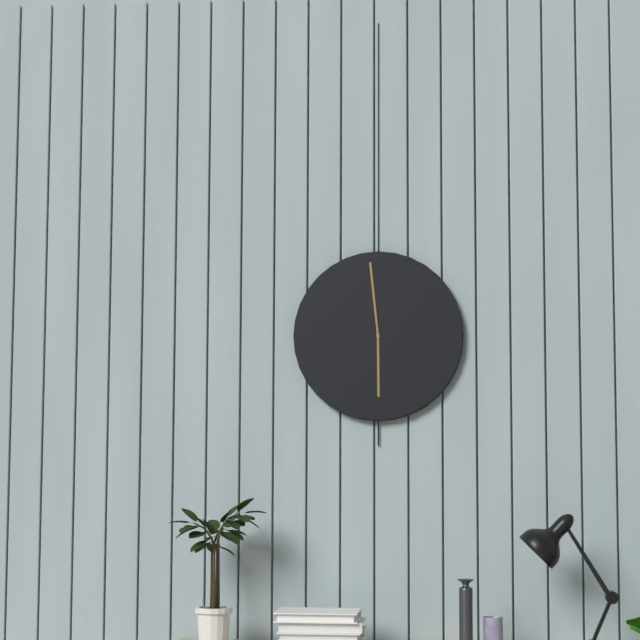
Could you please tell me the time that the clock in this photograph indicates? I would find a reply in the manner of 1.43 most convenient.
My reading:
5.59
